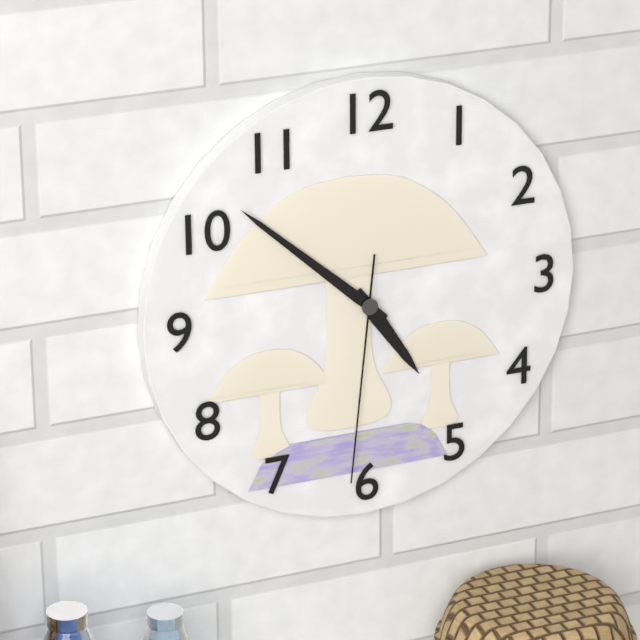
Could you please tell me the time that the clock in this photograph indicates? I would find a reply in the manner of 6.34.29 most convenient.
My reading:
4.52.31
